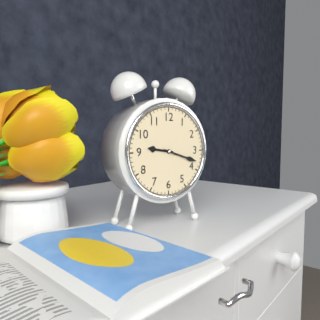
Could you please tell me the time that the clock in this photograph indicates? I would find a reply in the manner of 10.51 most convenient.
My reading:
9.18
